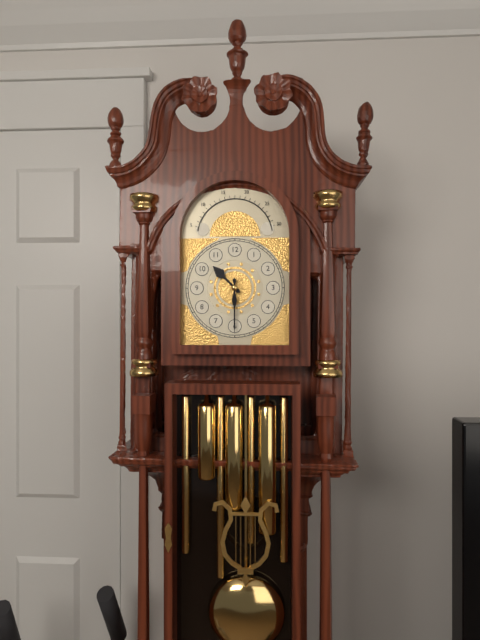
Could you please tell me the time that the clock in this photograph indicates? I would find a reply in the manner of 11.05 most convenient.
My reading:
10.30
